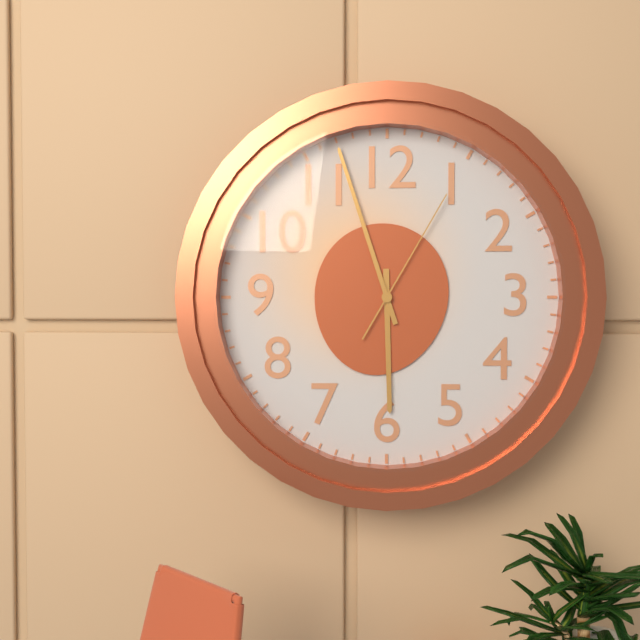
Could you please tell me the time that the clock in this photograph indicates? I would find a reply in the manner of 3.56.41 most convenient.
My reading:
5.57.05
